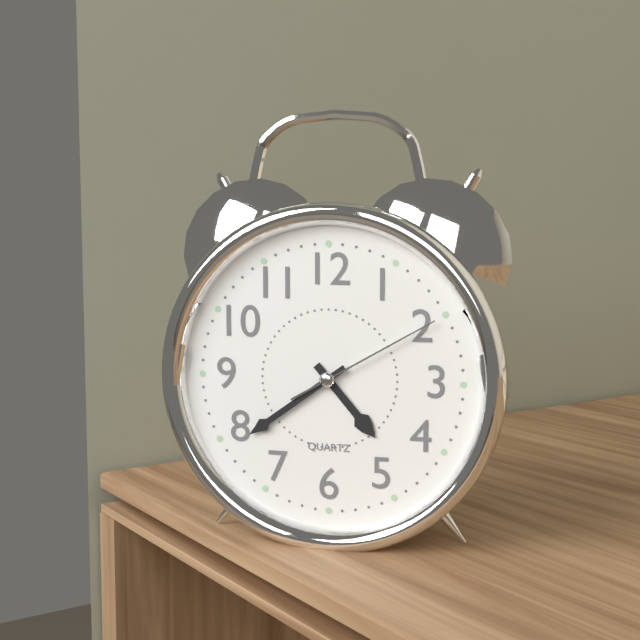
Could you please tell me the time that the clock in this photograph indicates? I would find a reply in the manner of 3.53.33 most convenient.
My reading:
4.39.10
